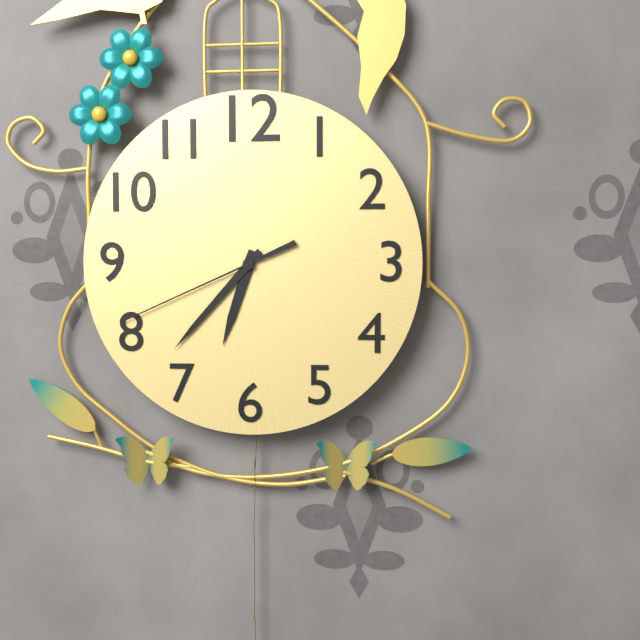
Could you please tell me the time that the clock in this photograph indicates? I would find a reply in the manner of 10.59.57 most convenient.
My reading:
6.37.41
